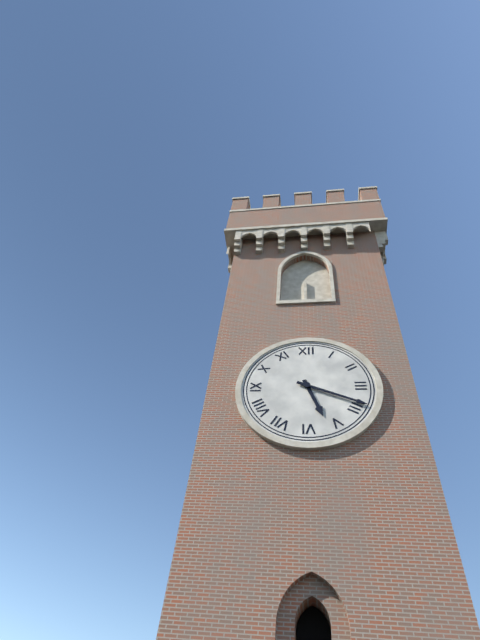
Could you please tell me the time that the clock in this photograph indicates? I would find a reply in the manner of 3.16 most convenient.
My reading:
5.19
